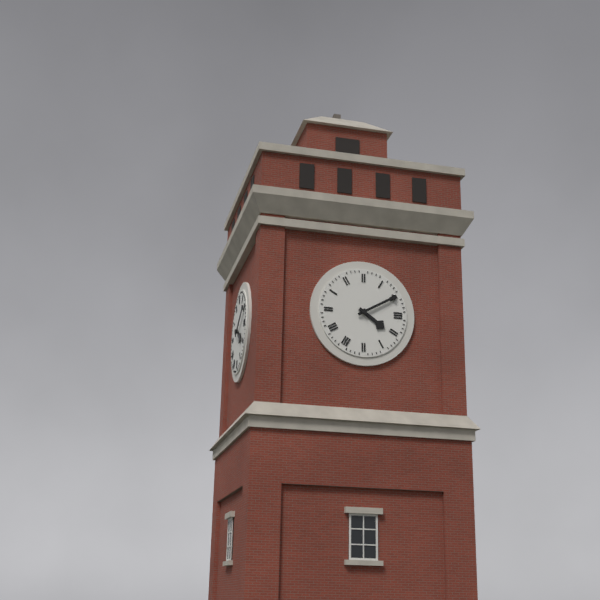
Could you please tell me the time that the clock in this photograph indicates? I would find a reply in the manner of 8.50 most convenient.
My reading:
4.10
